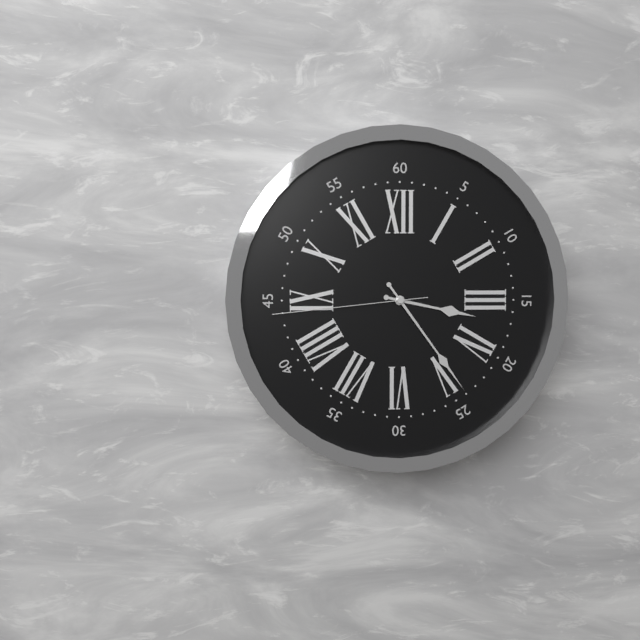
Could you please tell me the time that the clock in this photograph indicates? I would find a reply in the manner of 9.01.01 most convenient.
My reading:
3.24.44
